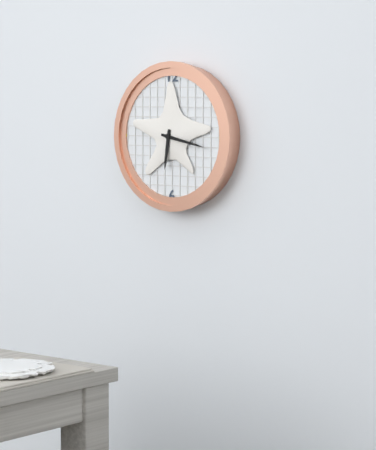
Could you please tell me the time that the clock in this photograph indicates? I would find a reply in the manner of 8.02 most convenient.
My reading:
6.17
